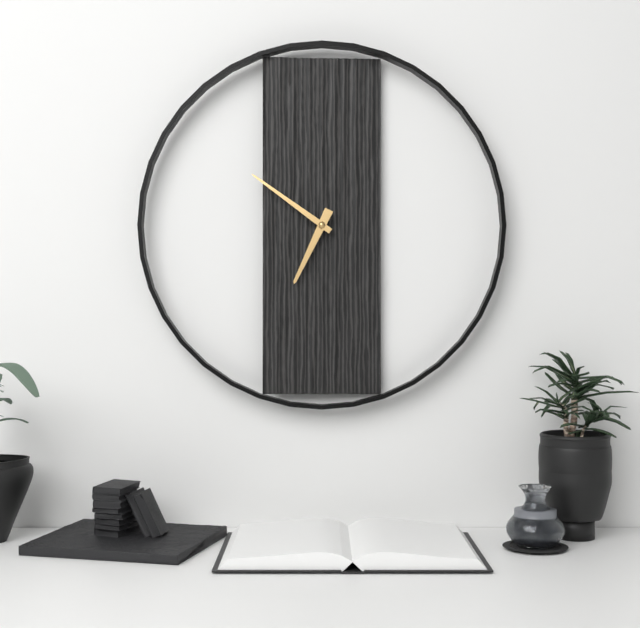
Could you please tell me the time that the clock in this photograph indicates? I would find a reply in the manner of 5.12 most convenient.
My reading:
6.51
